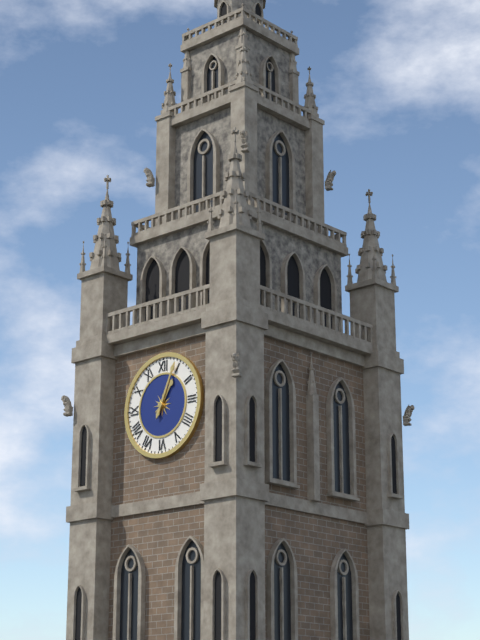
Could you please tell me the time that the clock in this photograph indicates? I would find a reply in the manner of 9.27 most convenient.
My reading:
1.04
